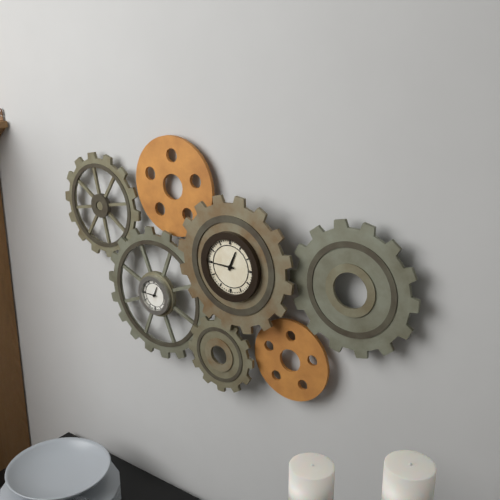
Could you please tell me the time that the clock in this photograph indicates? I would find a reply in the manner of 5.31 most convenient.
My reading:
12.45
